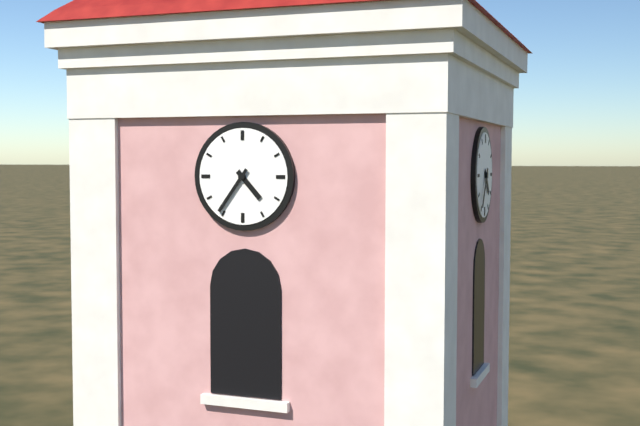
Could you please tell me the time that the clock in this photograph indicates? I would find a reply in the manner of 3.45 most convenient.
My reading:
4.36
